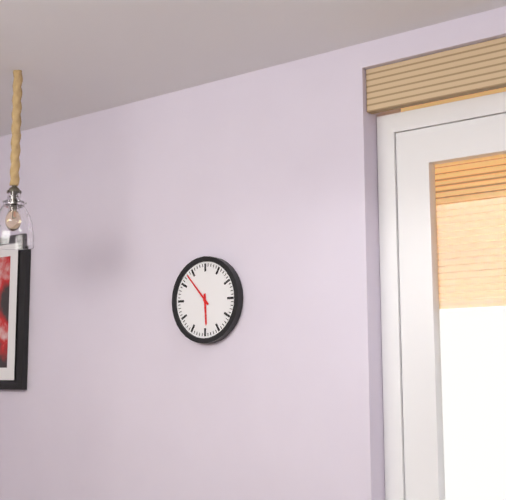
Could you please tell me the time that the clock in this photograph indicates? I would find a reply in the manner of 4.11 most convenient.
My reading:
5.53
